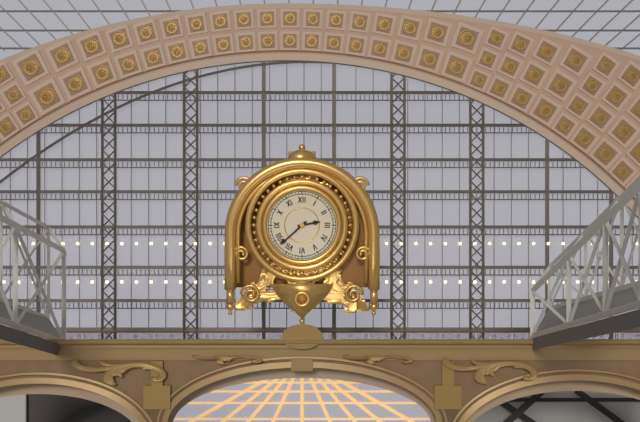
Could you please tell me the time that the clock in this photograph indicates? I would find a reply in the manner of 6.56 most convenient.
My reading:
2.38
